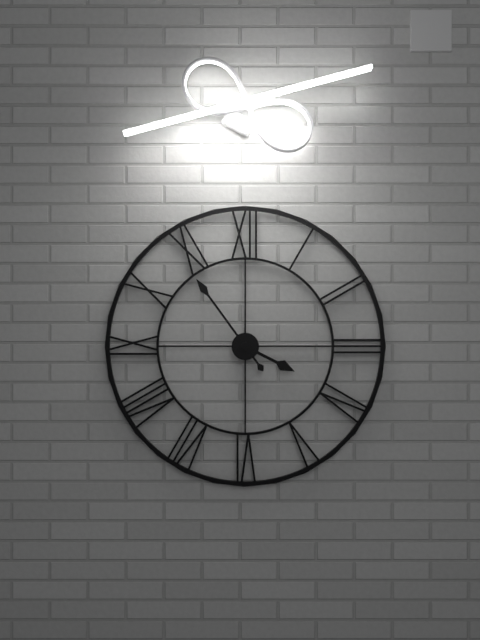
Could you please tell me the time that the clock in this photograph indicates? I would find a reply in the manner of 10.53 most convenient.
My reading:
3.54
